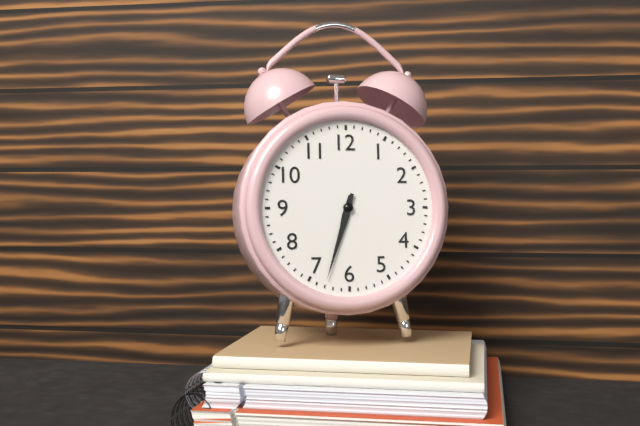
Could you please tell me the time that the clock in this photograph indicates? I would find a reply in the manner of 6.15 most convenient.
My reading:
6.33
